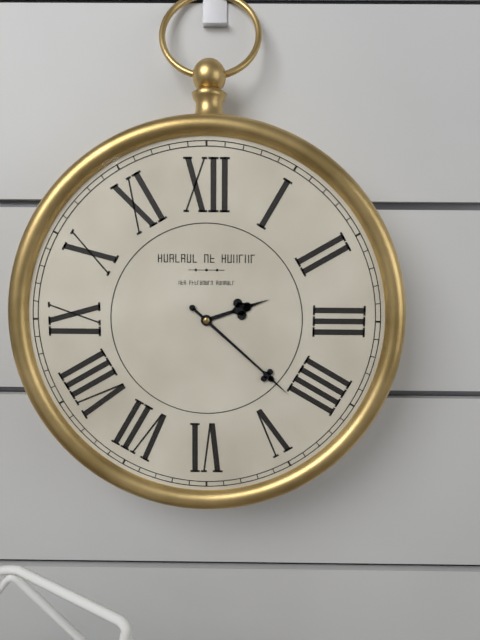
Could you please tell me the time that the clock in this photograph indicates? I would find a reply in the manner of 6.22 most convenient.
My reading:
2.22
